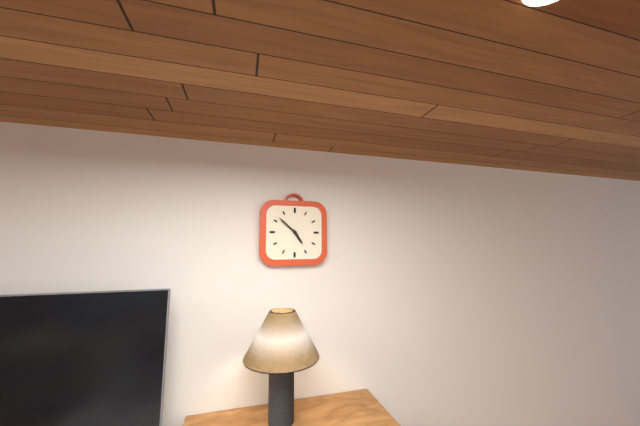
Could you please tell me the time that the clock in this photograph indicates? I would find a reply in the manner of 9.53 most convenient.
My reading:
4.52
